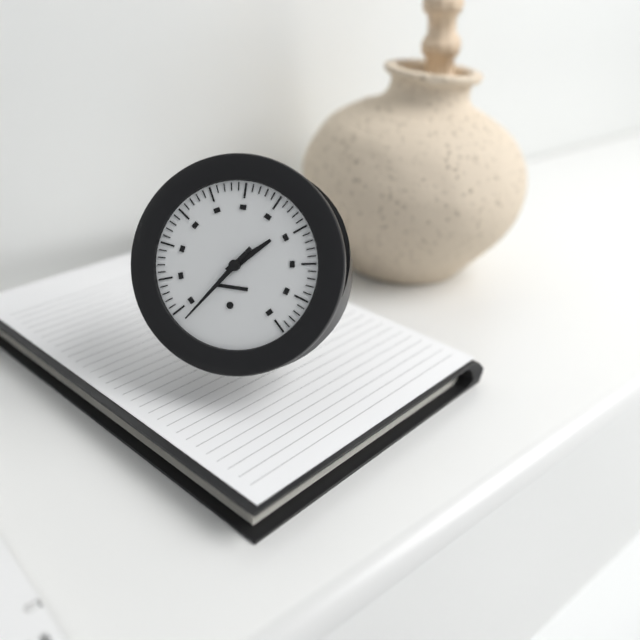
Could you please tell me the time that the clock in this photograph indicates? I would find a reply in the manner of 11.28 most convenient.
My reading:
1.36
